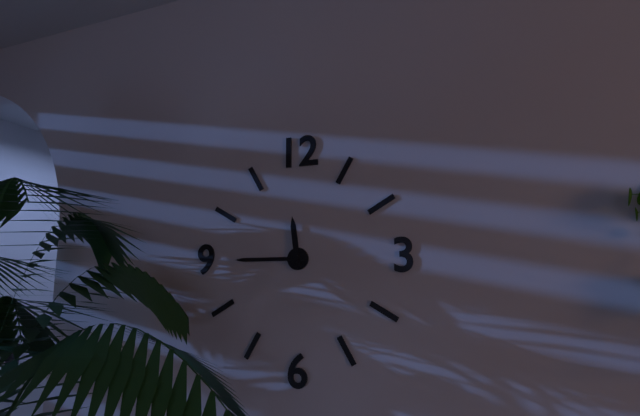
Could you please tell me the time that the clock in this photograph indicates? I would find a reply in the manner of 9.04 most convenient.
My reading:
11.45
